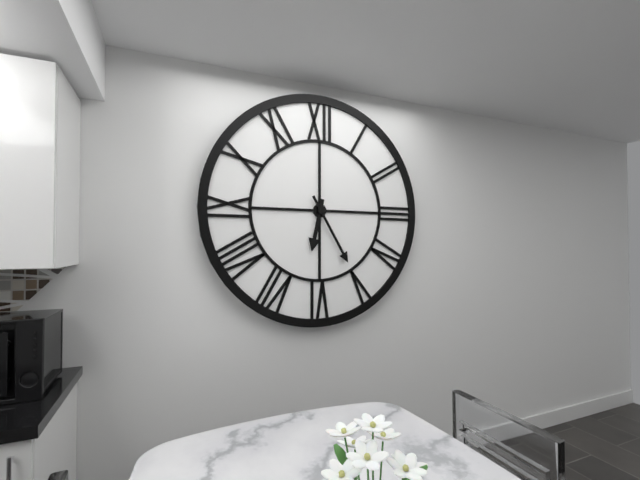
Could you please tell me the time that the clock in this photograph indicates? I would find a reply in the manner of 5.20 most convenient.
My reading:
6.25
